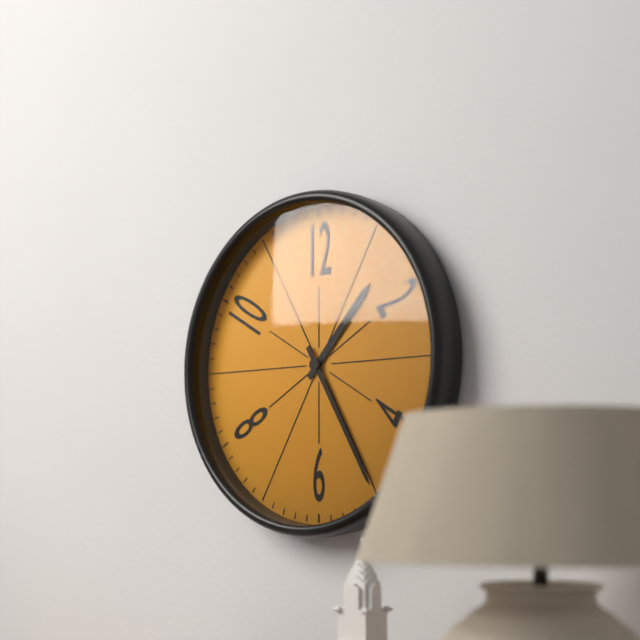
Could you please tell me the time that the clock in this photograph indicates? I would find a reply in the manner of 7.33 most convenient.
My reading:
1.25
